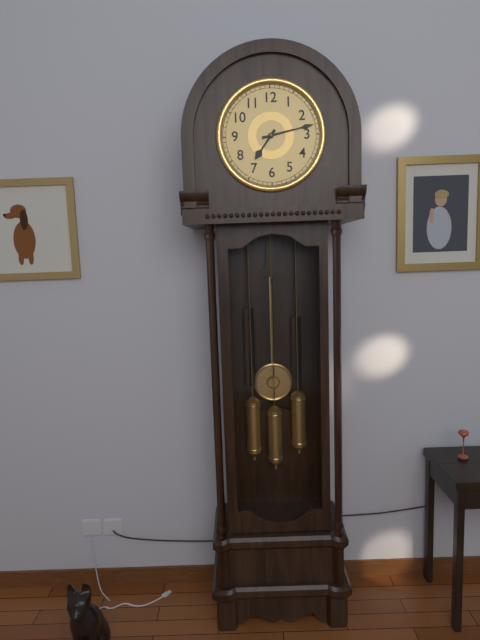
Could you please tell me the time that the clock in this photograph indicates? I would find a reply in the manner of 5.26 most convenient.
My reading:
7.13
